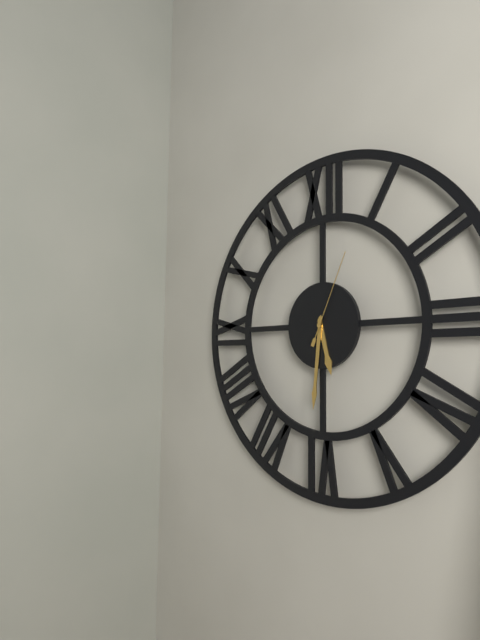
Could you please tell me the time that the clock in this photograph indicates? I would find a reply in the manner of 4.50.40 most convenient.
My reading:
5.31.04
